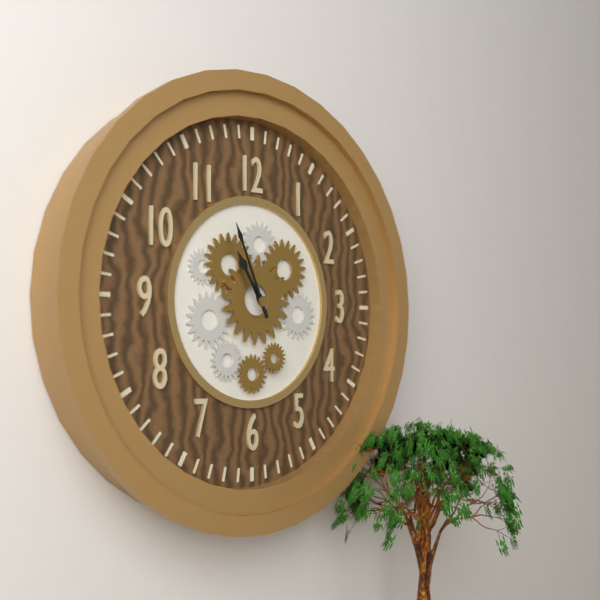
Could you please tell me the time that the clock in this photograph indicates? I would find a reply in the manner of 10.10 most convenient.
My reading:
10.56
